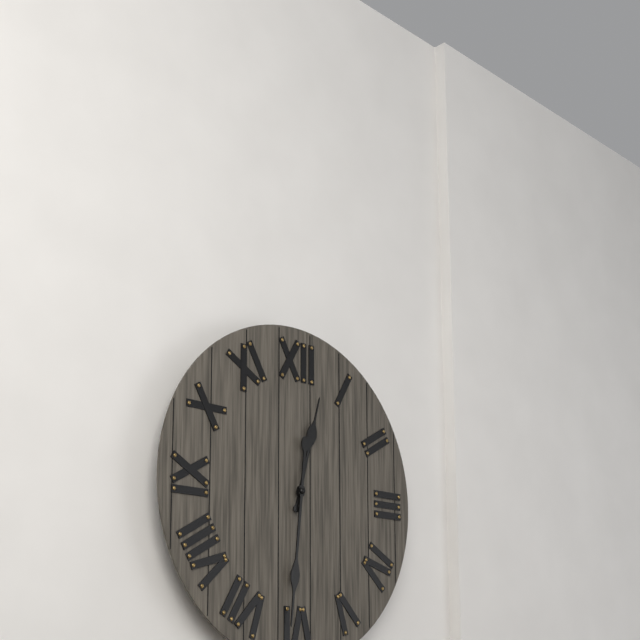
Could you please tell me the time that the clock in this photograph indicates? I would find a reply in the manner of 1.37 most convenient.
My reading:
12.31
